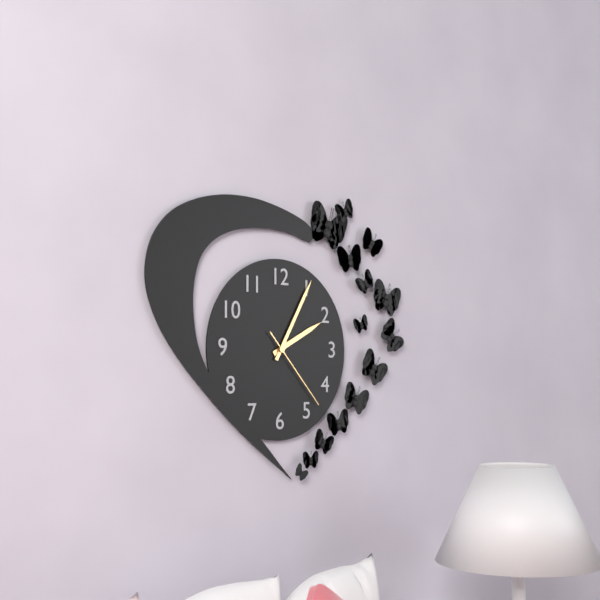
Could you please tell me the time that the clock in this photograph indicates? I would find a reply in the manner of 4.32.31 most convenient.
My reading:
2.05.23
